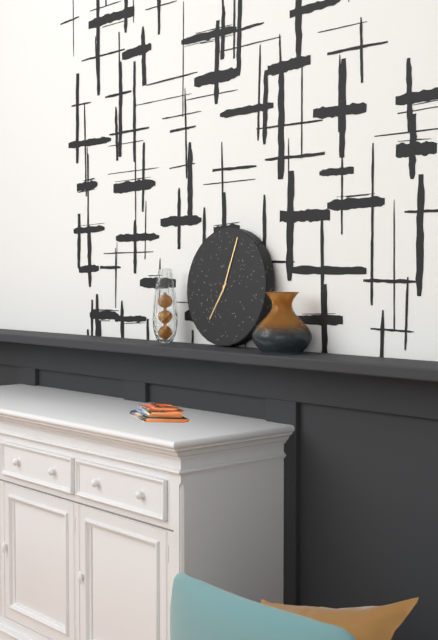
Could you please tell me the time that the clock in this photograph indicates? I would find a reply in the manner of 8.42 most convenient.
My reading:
7.03
